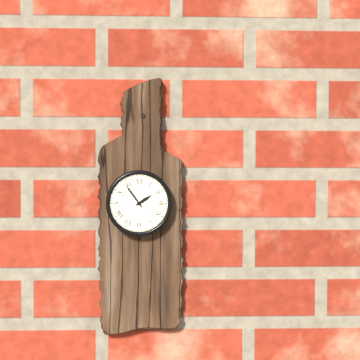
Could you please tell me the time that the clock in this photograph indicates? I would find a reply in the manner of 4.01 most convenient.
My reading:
1.54
